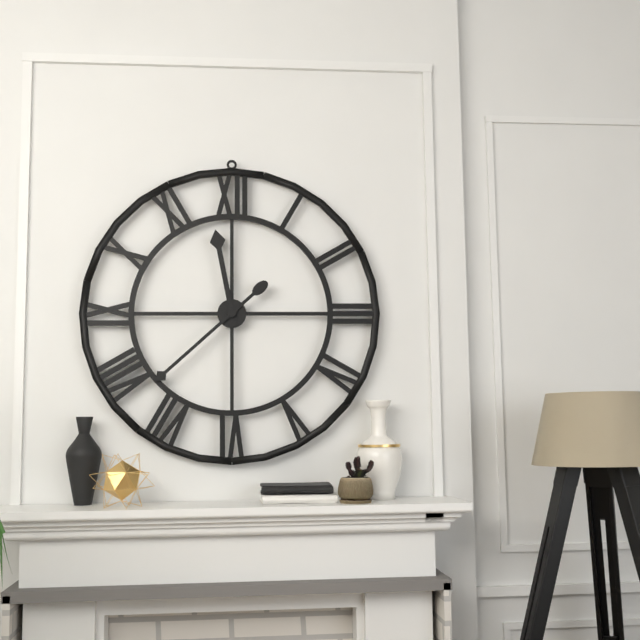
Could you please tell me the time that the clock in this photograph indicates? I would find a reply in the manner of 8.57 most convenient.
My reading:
11.38
